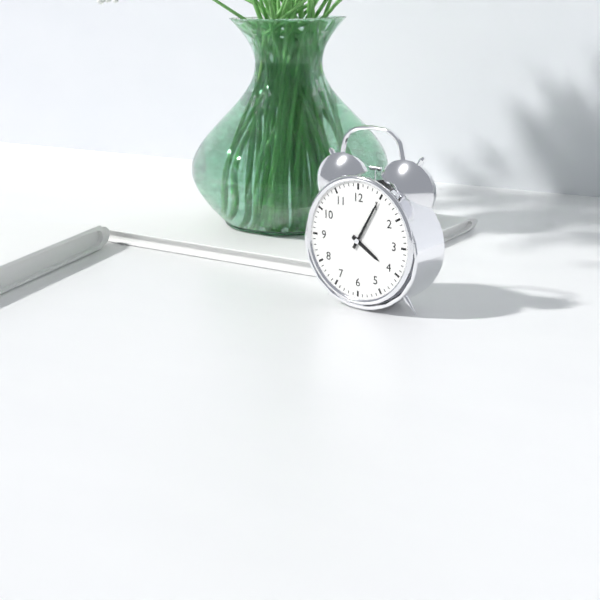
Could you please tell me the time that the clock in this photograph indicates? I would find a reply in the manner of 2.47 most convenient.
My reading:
4.05
